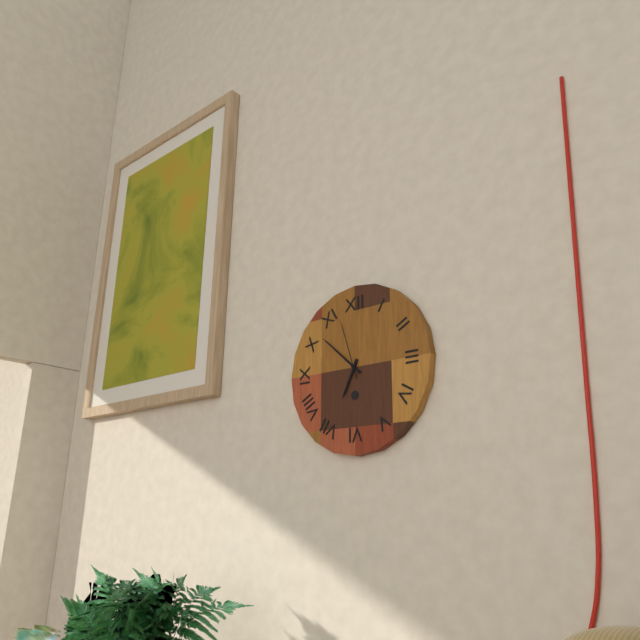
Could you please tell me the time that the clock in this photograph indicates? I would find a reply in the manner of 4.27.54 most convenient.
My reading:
6.52.57
